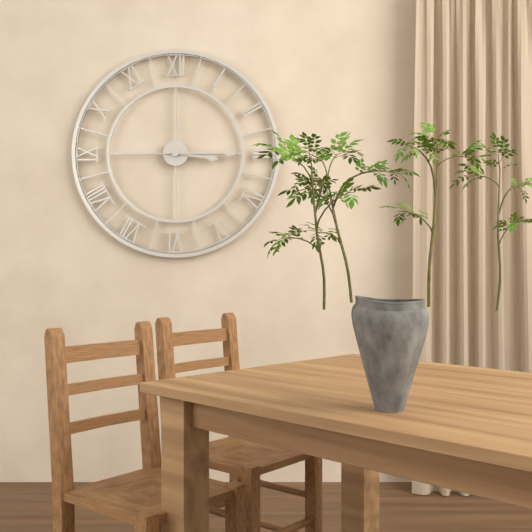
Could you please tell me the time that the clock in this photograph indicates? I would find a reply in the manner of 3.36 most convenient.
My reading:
3.15
